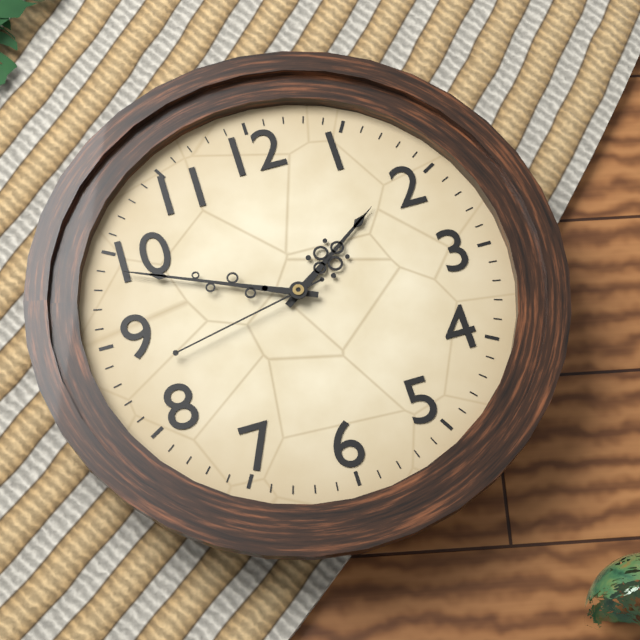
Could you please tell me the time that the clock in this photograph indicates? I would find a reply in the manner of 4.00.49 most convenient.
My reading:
1.49.43
